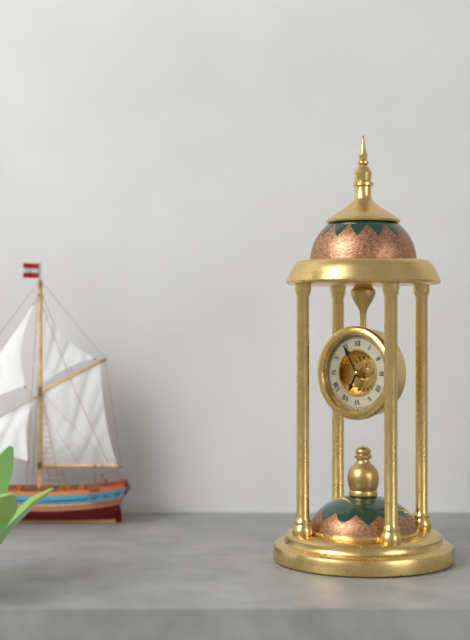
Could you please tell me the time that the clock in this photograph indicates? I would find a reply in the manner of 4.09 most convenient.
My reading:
6.55
